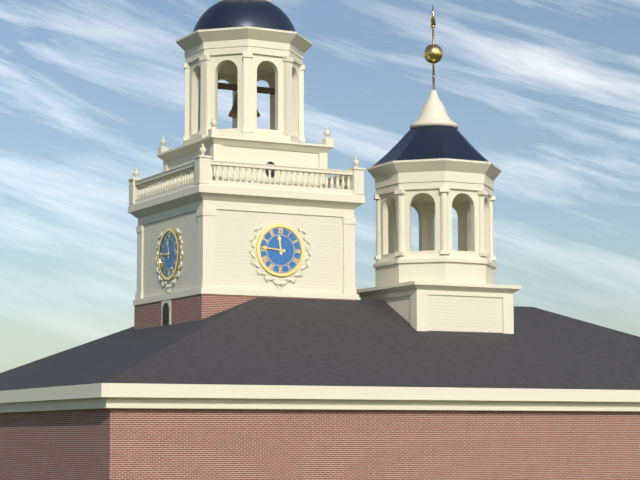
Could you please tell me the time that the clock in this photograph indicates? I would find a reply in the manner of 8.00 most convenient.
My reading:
11.46
